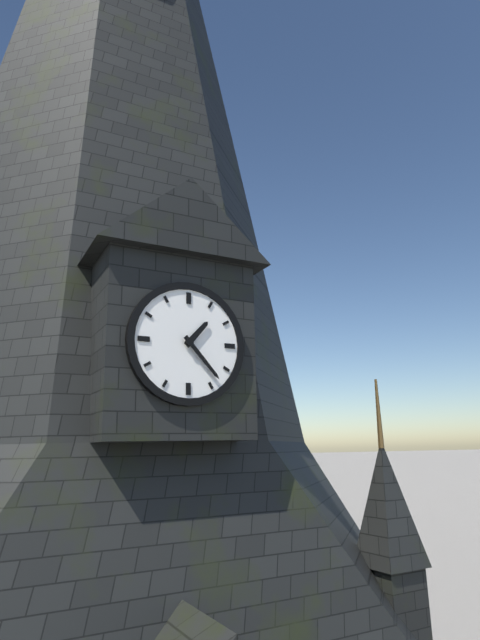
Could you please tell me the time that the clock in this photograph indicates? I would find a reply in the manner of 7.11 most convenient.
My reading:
1.23
